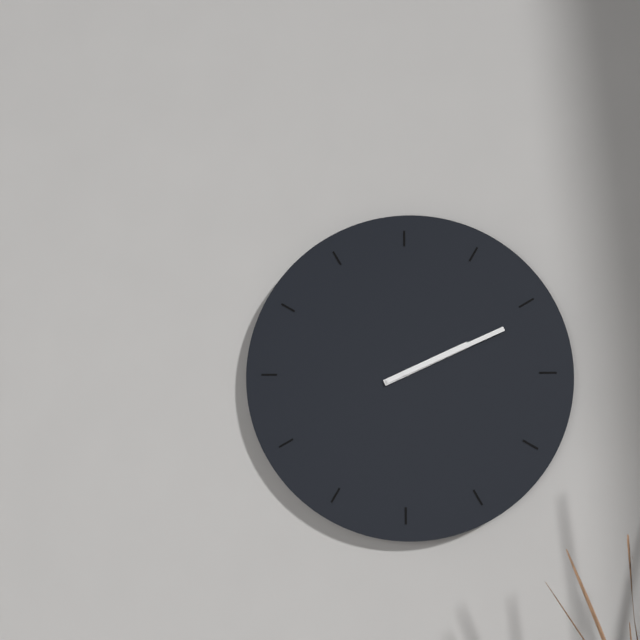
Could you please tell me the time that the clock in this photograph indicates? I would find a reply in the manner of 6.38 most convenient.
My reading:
2.11
